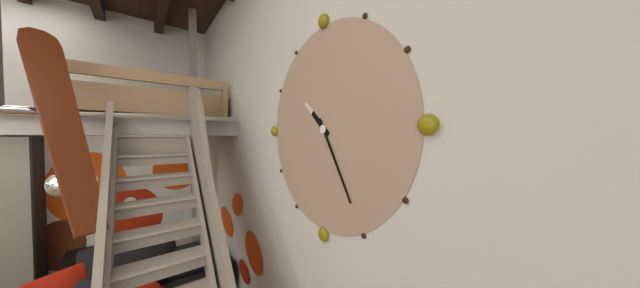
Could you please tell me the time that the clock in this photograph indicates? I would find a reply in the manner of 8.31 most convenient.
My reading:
10.25
